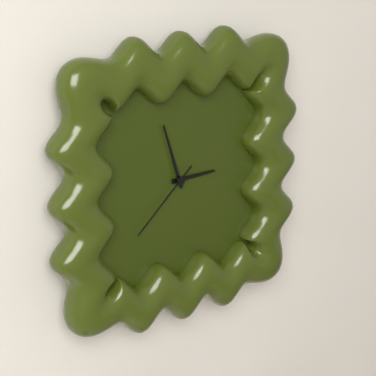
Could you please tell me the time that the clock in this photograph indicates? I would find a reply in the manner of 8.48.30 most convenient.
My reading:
2.57.38
